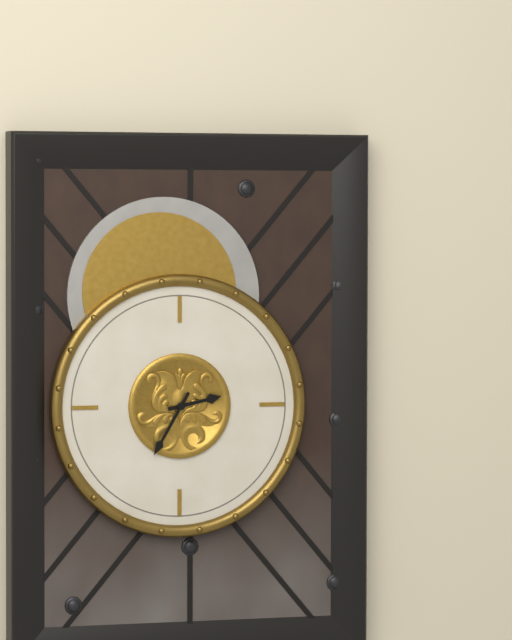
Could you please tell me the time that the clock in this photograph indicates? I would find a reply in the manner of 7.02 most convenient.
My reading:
2.35
